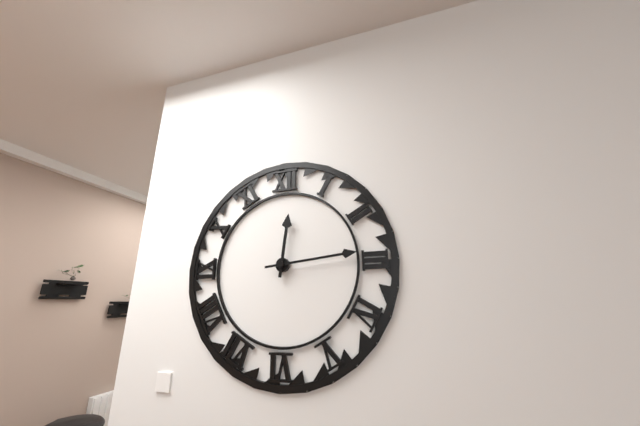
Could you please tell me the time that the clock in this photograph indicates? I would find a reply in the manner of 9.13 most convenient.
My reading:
12.14
